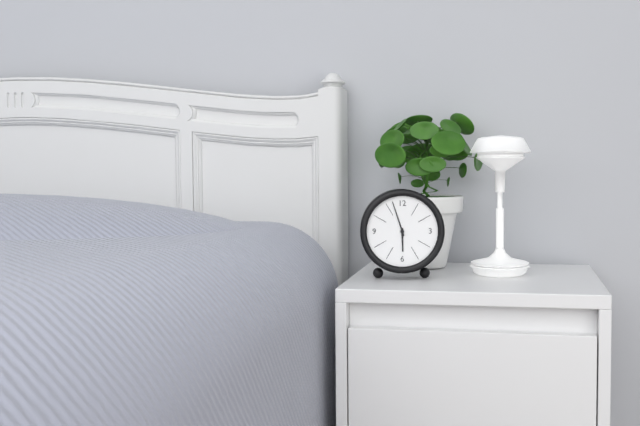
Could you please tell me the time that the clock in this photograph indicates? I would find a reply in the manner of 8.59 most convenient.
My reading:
5.57
